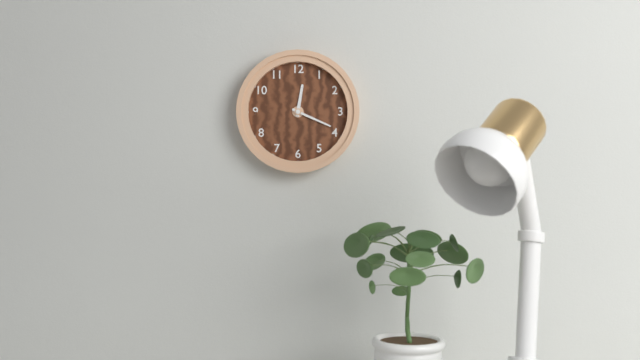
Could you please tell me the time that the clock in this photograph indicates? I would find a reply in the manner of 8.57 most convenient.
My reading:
12.19
